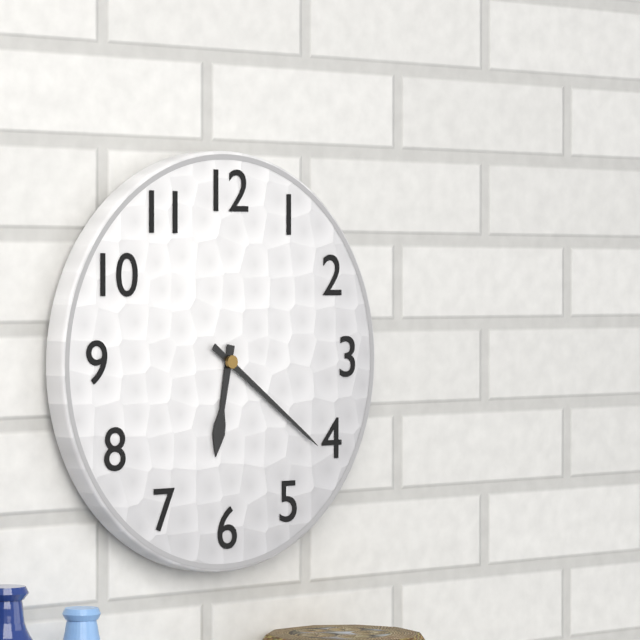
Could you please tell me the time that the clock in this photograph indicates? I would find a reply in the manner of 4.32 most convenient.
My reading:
6.21
